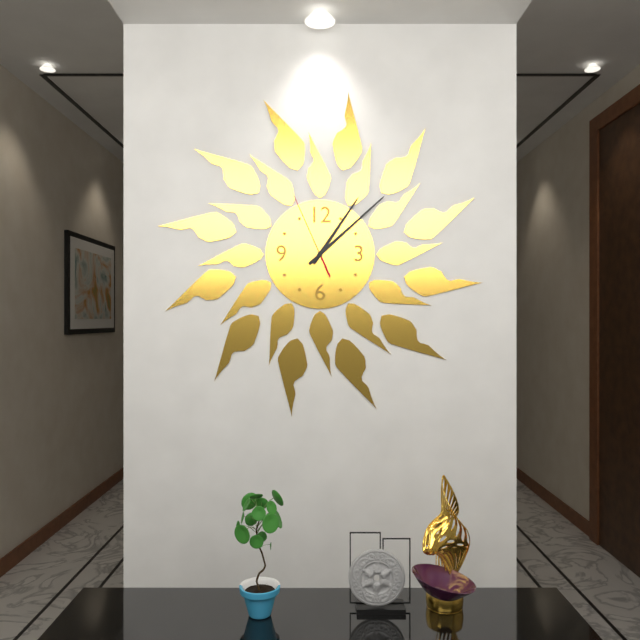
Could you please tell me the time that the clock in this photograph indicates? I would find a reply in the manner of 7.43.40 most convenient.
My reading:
1.08.56
